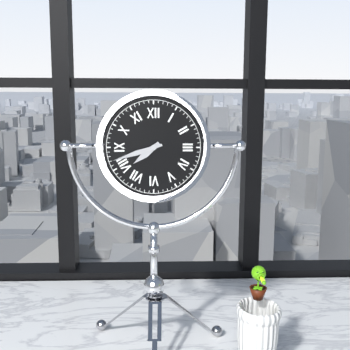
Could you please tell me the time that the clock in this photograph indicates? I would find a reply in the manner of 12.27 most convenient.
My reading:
7.42
